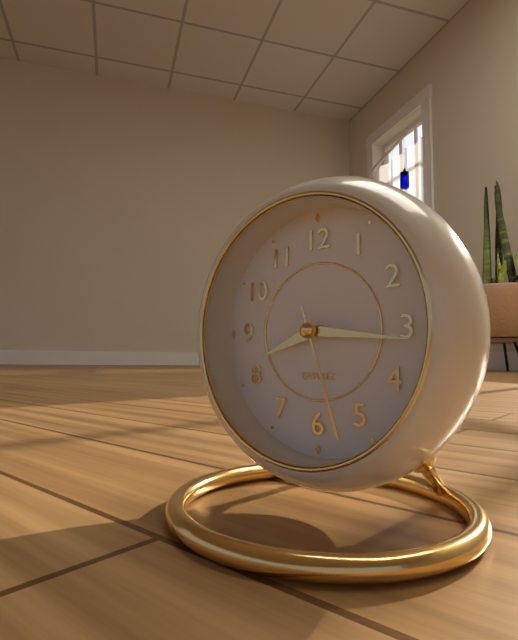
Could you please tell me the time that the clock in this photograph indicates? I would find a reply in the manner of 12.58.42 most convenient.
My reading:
8.16.27
